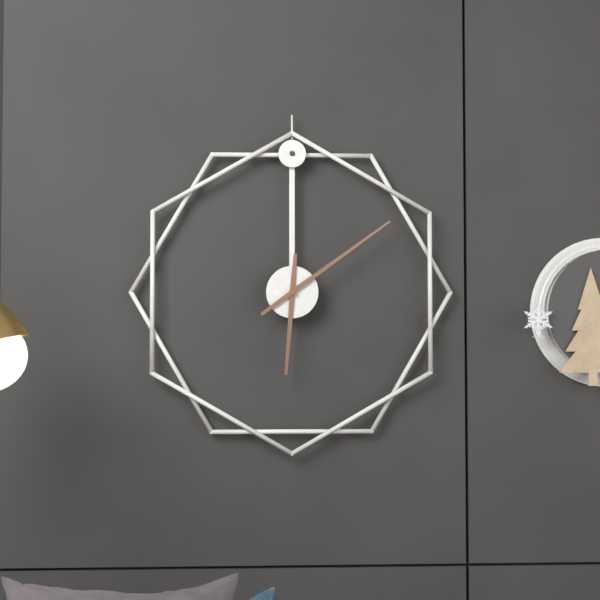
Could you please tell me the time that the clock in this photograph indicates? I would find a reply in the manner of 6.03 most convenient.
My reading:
6.09
